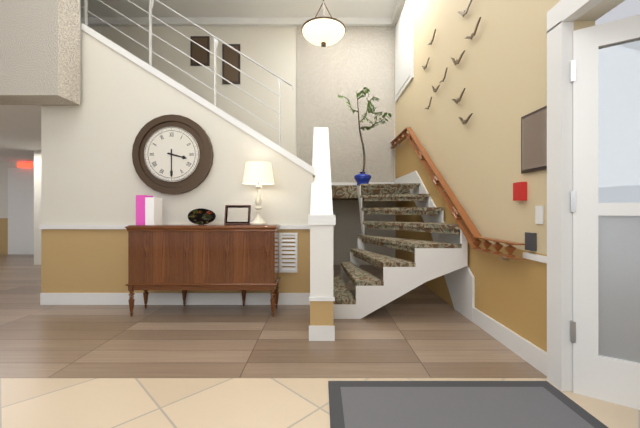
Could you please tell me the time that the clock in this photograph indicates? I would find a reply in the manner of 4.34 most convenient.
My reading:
3.30
